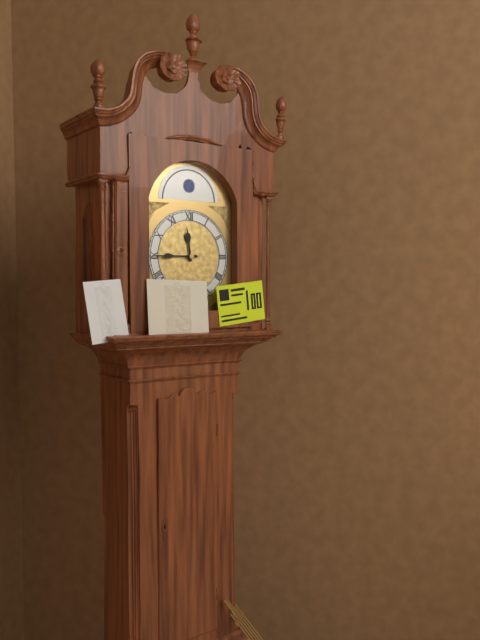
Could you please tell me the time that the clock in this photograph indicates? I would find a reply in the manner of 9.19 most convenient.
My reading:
11.45
